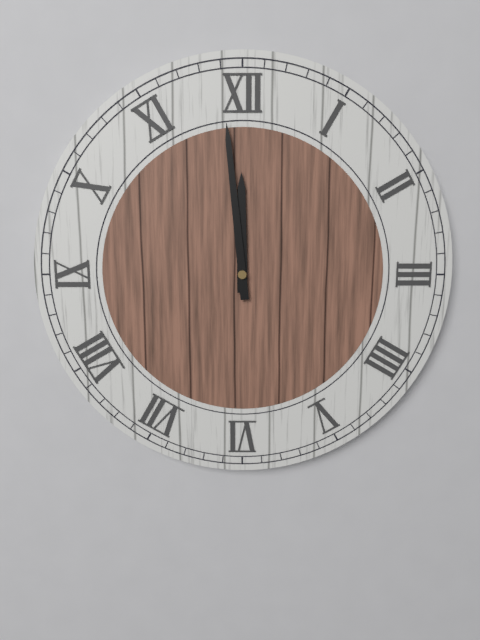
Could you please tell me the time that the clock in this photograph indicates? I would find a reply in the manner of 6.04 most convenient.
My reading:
11.59
